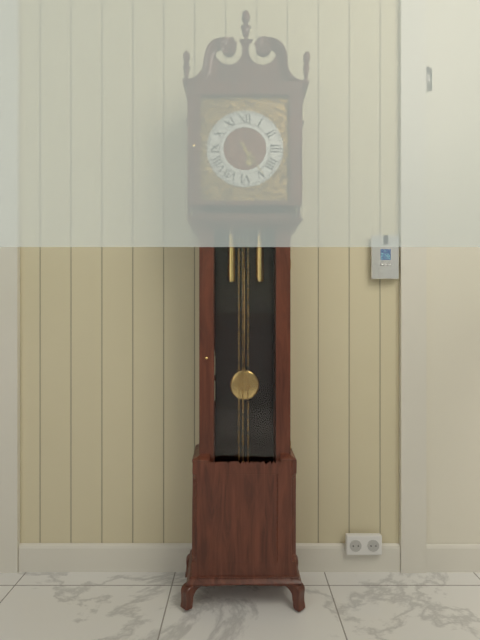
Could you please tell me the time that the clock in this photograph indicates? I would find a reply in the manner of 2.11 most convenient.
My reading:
5.24
